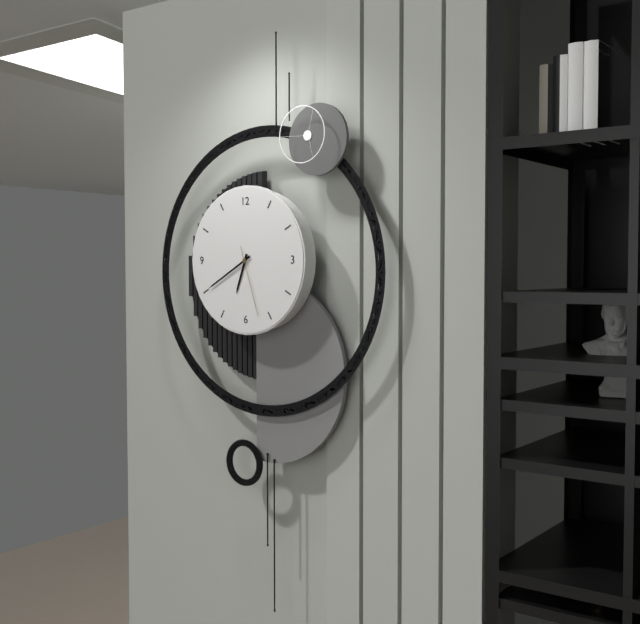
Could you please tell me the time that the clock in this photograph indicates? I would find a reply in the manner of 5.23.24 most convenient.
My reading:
6.40.27
